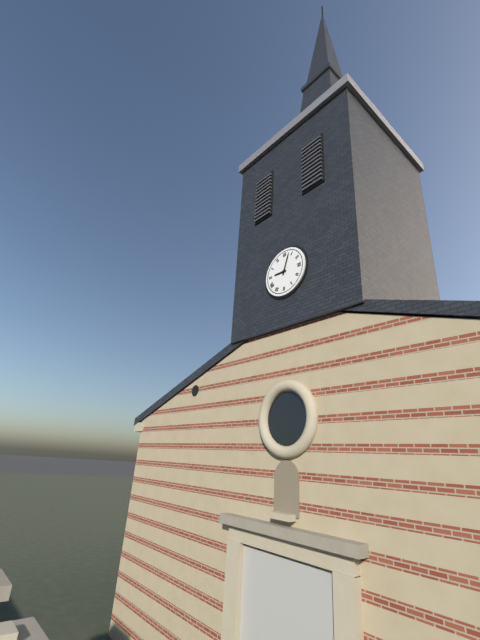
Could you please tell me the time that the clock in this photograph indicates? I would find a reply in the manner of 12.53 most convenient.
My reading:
9.03
